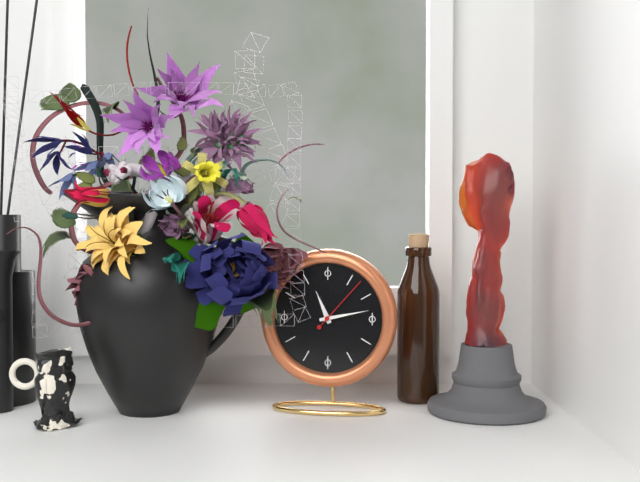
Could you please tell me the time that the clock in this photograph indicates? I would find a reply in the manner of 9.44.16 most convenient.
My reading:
11.13.07
